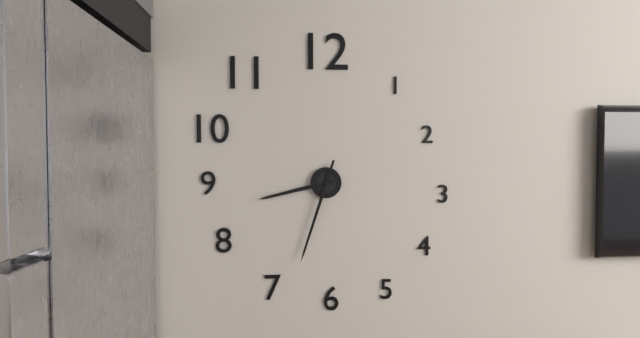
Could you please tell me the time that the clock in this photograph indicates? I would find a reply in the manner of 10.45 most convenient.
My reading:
8.33
